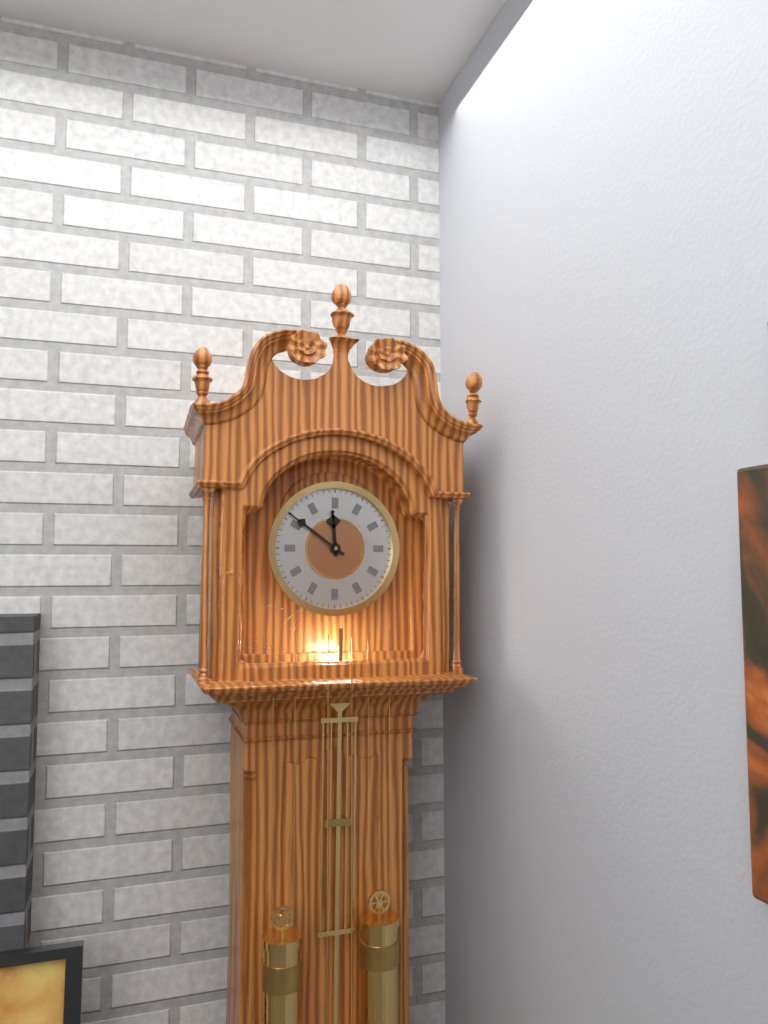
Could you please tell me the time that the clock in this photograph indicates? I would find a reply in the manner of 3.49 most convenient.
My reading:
11.51
